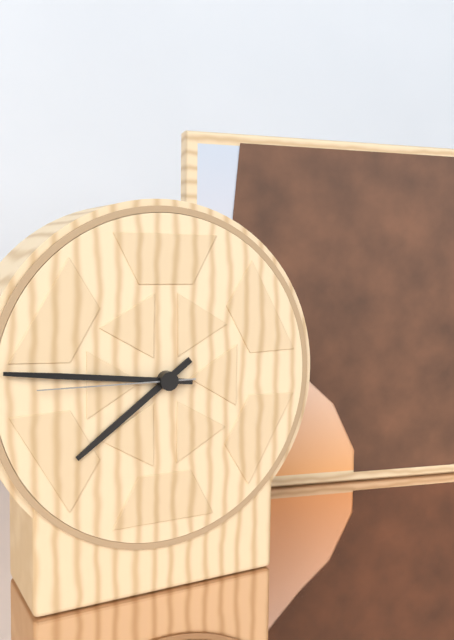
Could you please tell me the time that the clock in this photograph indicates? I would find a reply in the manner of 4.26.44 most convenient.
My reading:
7.46.45
